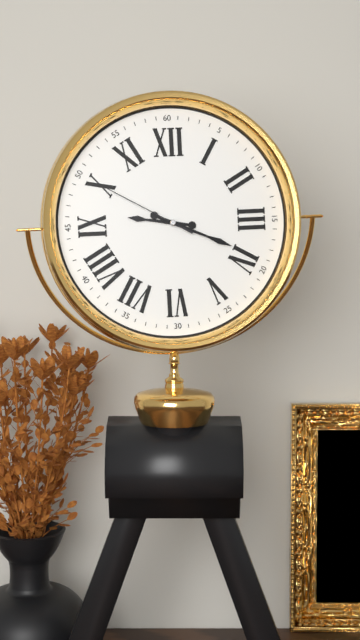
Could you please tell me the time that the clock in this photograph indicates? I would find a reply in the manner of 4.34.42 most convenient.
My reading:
9.19.50
